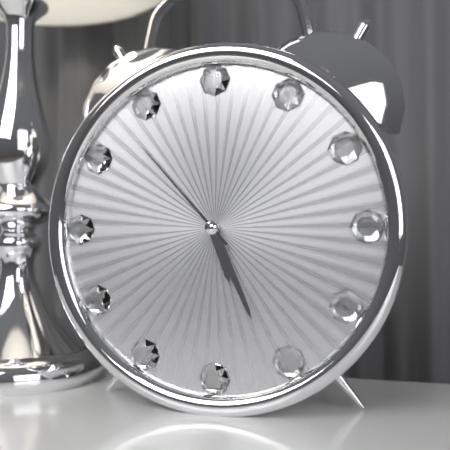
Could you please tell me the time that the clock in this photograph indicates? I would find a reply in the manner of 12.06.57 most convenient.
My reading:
5.26.53
